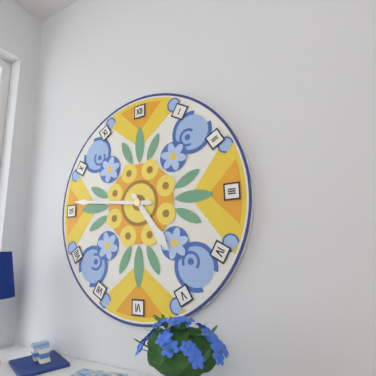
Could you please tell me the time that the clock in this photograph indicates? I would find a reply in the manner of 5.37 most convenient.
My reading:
4.46
